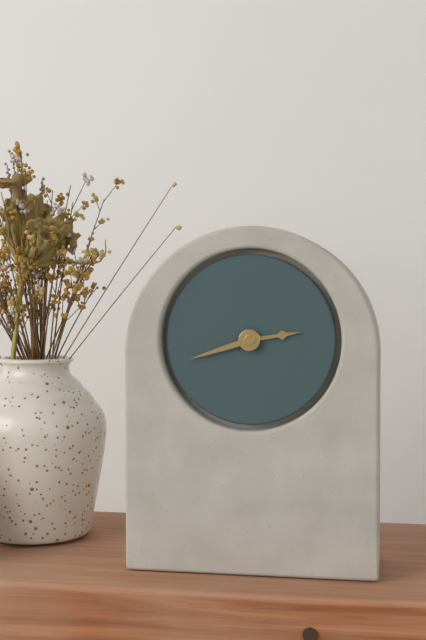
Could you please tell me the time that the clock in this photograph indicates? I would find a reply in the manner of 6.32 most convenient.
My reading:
2.42
